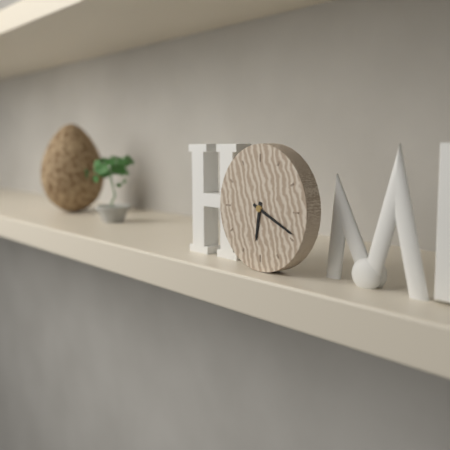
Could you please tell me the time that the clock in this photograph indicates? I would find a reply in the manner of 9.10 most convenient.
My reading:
6.19
